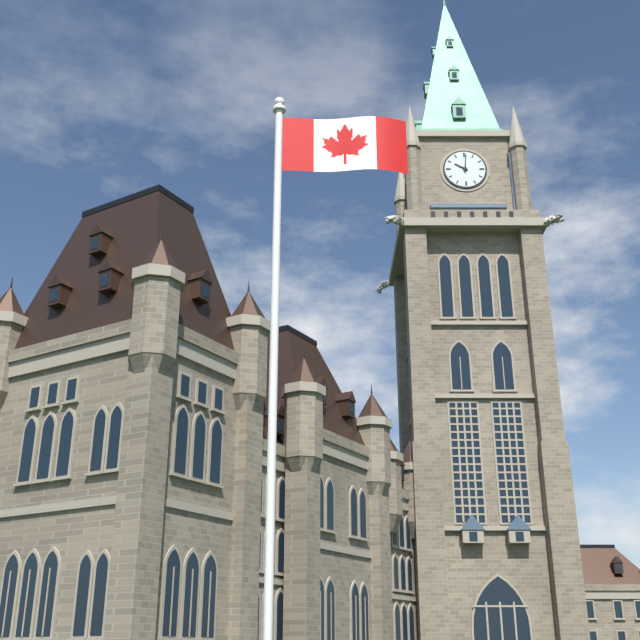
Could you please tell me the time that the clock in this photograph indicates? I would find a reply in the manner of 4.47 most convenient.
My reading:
10.01
